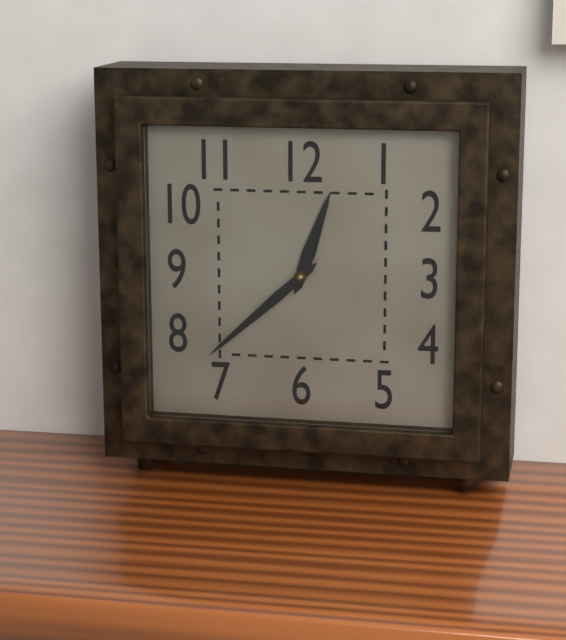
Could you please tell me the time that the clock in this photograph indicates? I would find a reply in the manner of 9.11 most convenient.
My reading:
12.38
